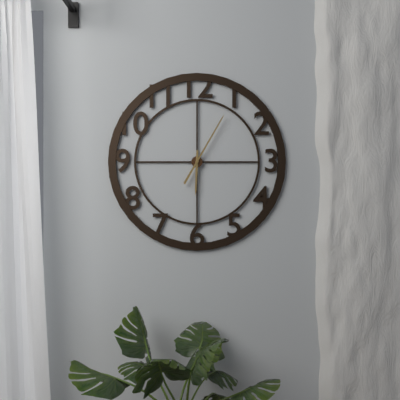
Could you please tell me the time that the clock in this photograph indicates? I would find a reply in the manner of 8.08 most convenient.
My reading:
6.05
